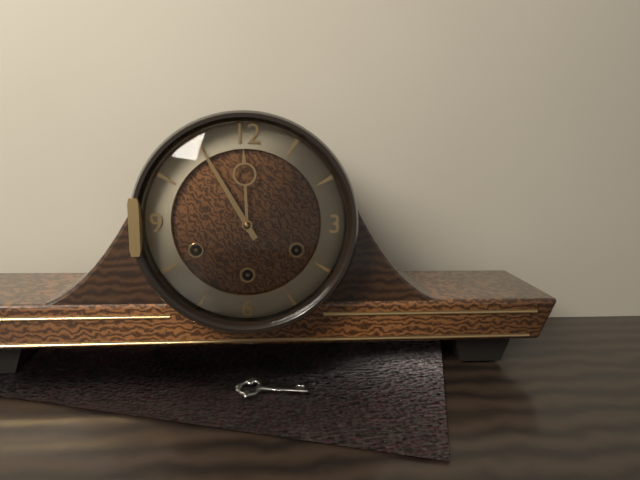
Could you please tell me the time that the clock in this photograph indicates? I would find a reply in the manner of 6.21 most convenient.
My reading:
11.55
